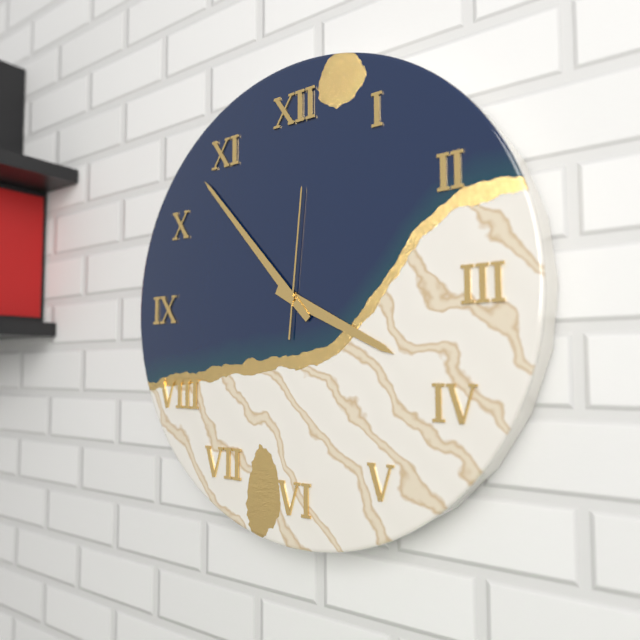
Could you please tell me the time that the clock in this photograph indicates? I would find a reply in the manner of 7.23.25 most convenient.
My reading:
3.53.01
